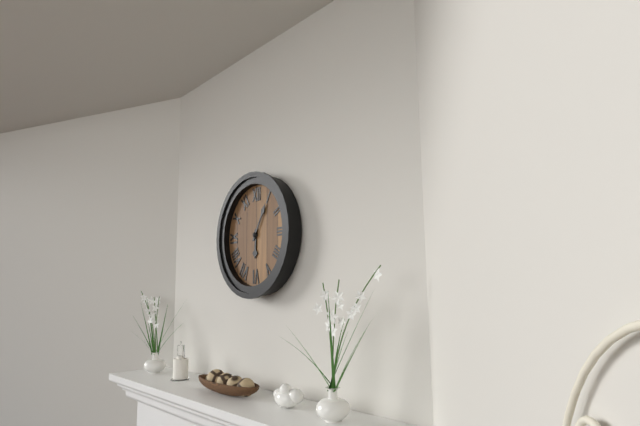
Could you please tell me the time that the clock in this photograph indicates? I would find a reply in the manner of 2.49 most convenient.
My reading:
6.05
